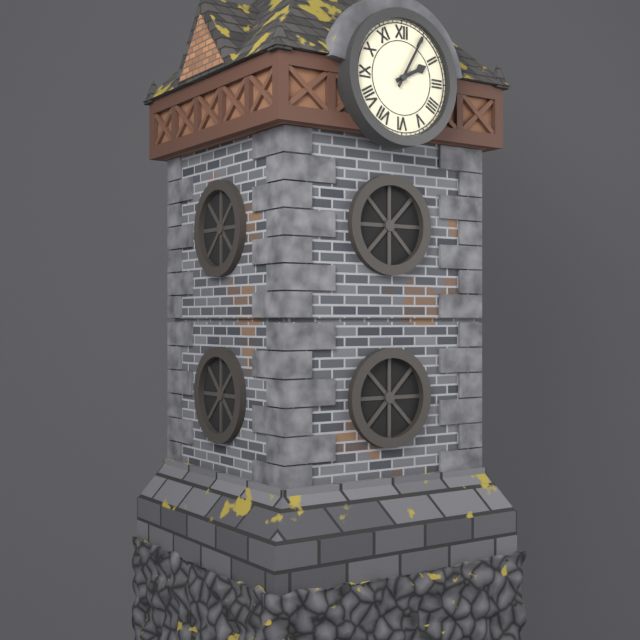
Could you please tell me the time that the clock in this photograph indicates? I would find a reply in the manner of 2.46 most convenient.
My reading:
2.05
